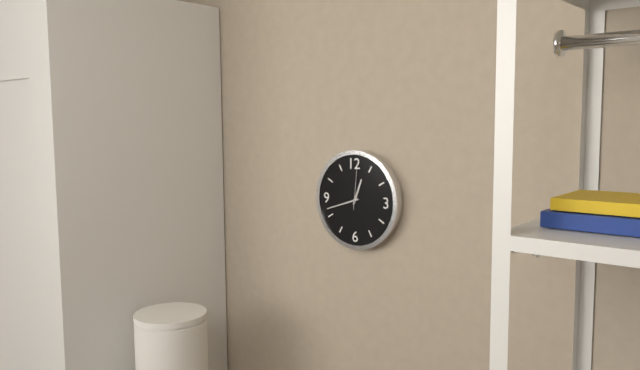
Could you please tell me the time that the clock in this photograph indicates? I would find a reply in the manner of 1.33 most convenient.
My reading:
12.42
